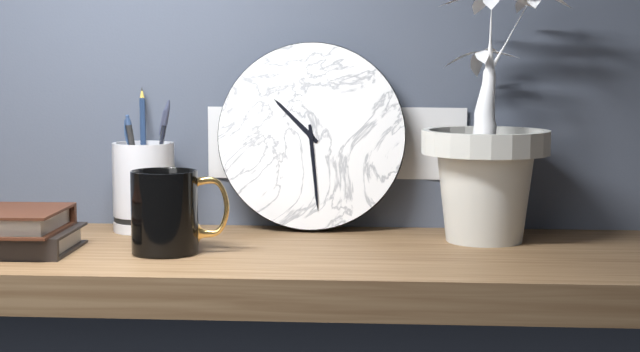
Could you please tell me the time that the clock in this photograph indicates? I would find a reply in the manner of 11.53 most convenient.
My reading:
10.29
